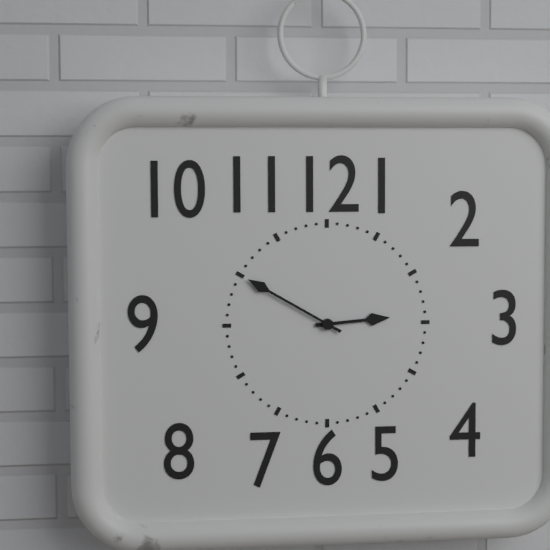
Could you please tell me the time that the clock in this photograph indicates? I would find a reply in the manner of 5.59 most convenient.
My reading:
2.50
